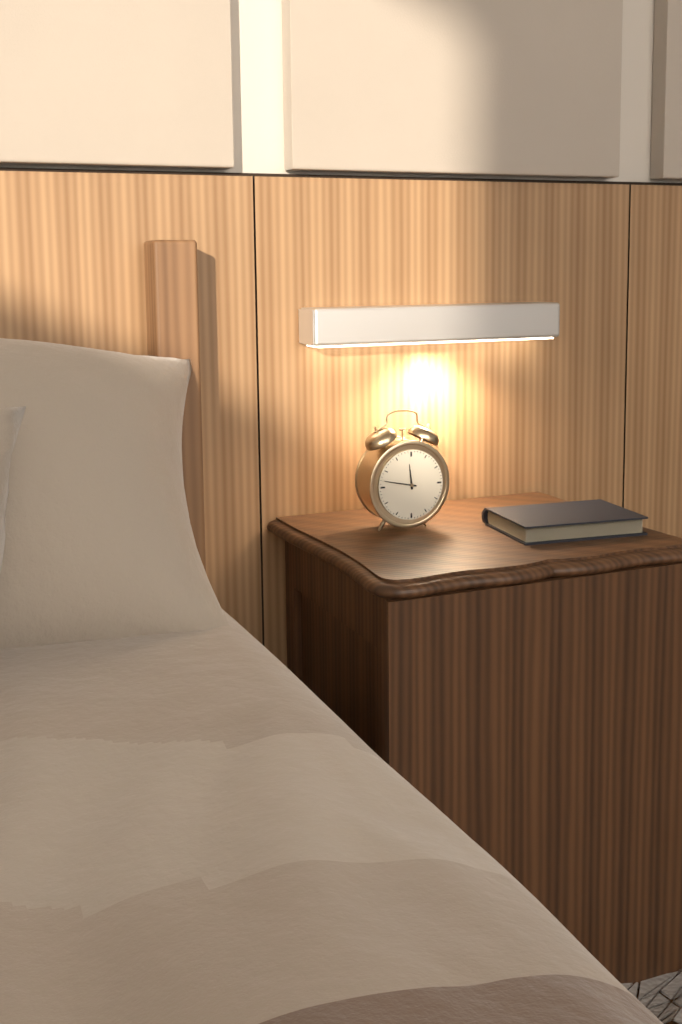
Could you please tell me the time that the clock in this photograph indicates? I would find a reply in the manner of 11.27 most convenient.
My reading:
11.47
